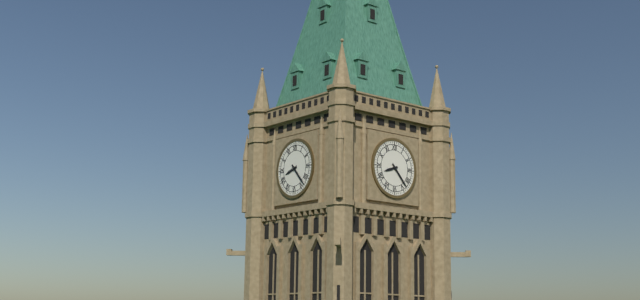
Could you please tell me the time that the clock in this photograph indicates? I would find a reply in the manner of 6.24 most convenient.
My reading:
8.23
